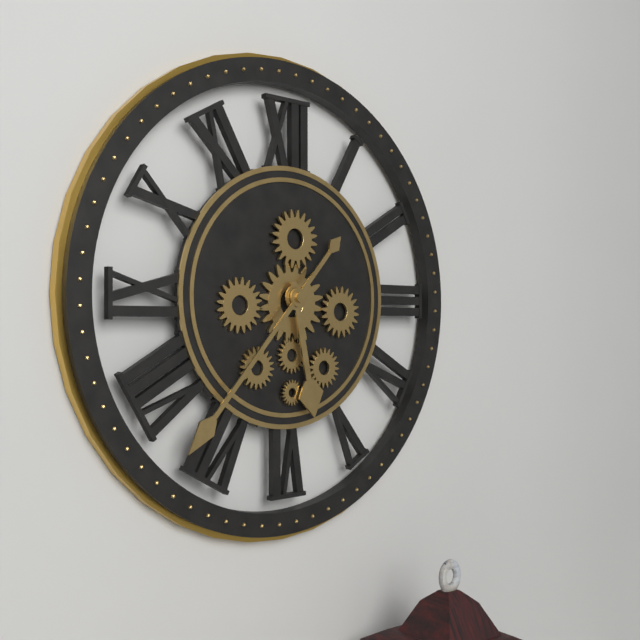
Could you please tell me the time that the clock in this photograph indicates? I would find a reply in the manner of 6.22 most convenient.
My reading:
5.37
